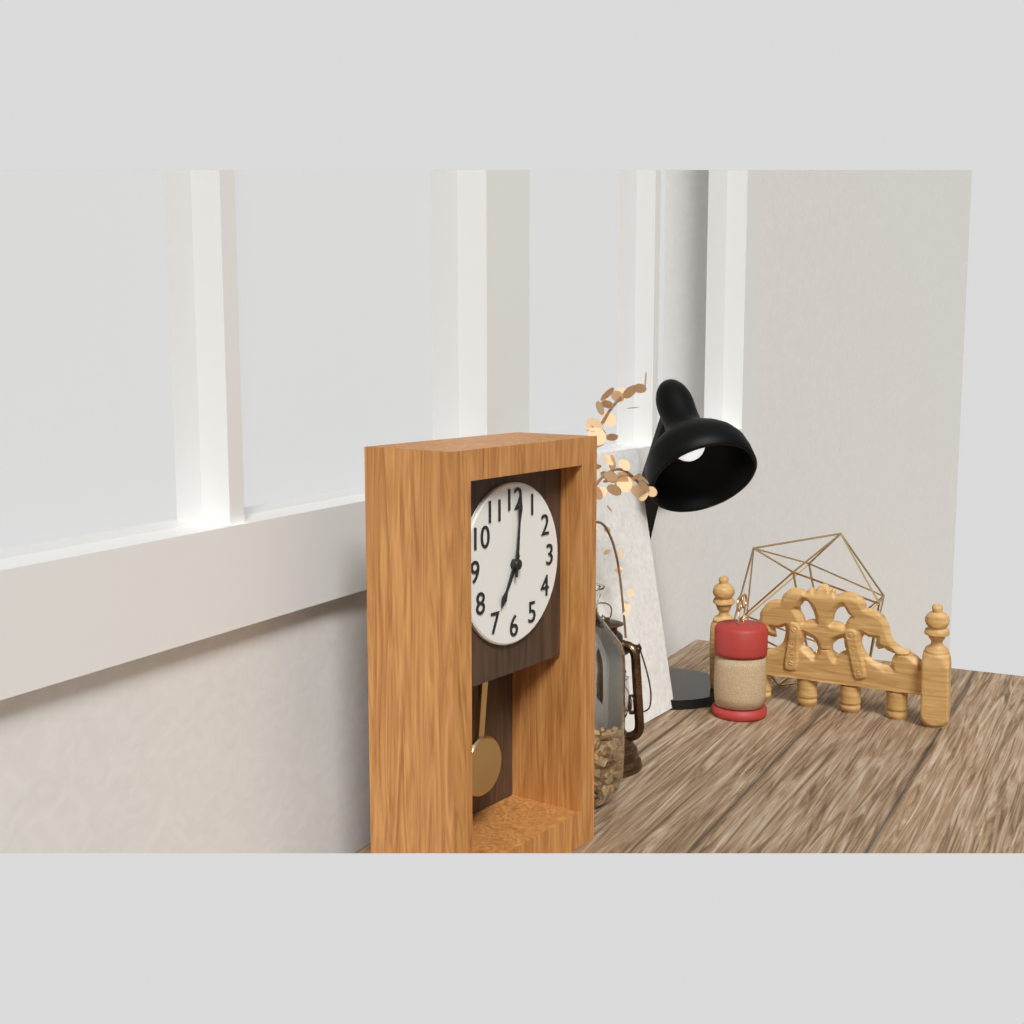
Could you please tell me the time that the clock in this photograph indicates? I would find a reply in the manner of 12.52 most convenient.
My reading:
7.01
